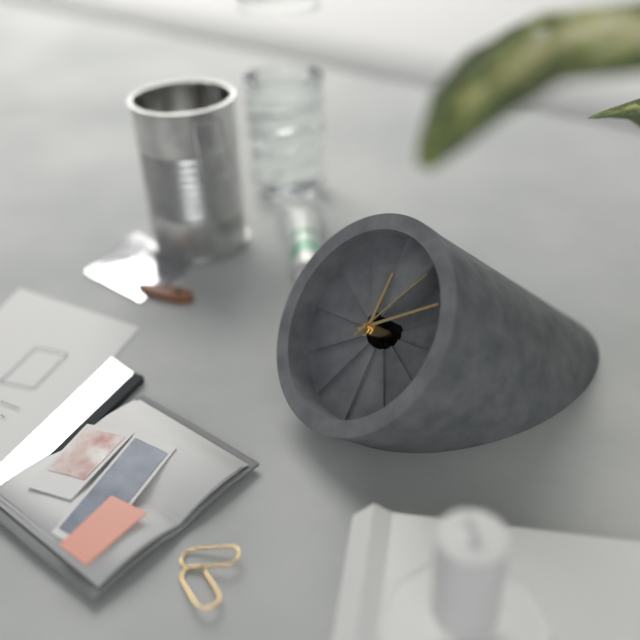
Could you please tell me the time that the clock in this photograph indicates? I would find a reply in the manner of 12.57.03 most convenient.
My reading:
11.05.01
